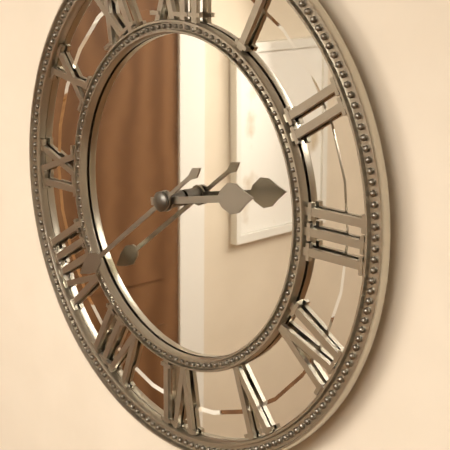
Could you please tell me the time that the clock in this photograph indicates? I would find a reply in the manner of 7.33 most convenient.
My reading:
2.39
